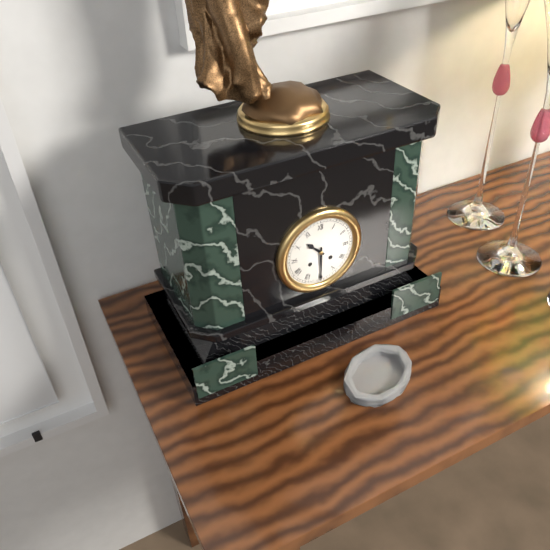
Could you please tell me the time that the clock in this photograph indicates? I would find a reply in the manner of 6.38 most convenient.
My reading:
10.30
